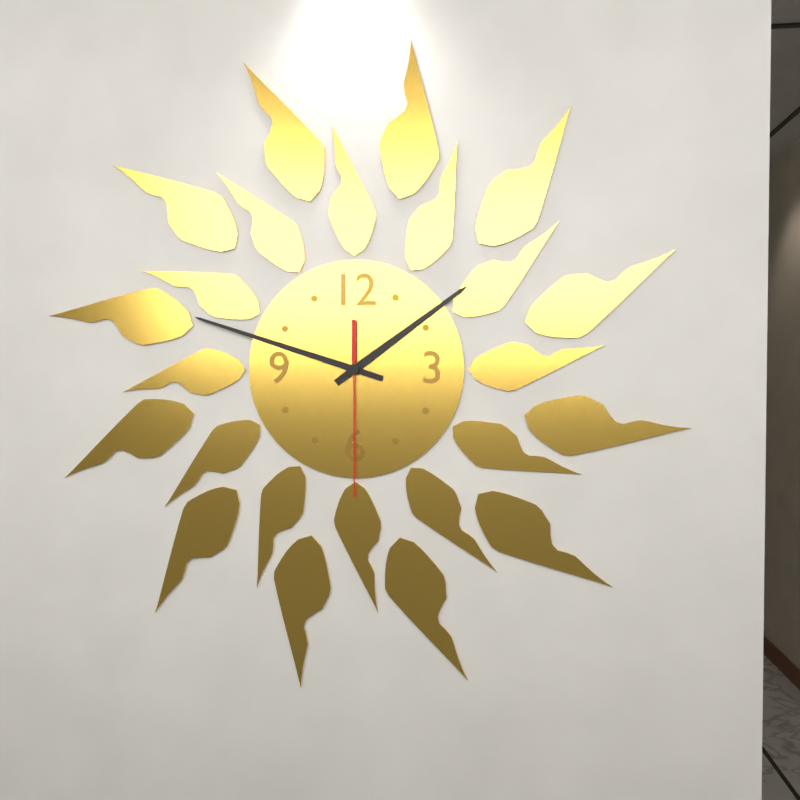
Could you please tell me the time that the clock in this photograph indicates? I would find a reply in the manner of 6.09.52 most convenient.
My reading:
1.48.30
